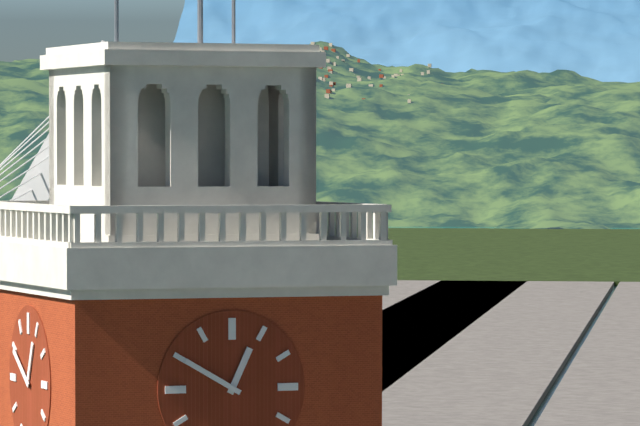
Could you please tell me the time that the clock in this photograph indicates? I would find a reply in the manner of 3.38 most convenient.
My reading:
12.50
